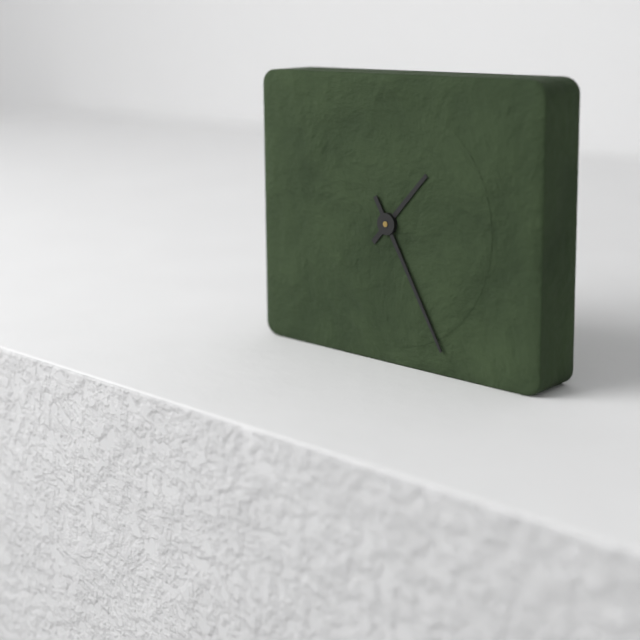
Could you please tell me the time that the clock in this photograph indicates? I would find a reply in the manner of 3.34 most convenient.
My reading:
1.25
